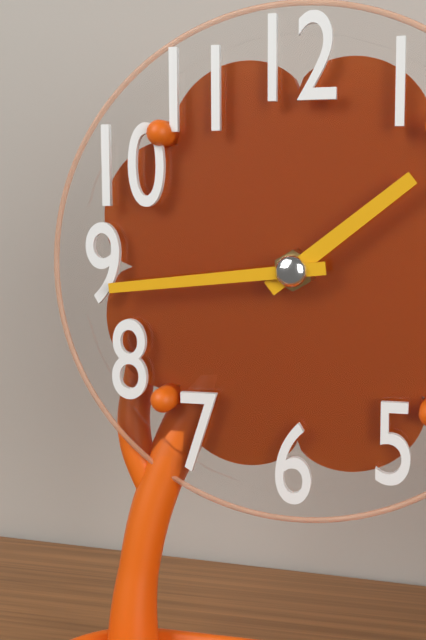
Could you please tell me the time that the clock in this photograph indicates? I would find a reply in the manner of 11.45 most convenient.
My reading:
1.44
